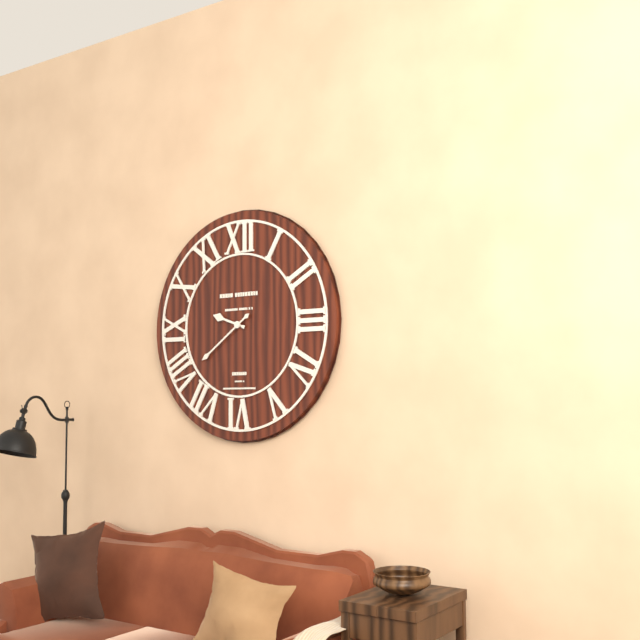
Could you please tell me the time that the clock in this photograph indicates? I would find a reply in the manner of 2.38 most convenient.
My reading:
9.39
